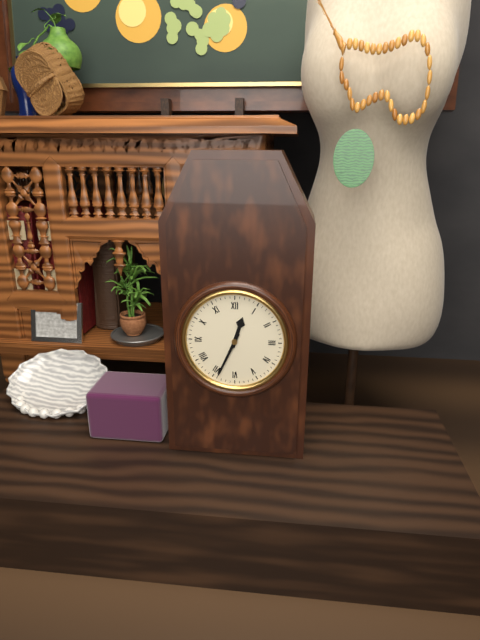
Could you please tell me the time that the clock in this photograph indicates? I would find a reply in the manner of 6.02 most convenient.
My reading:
12.34
